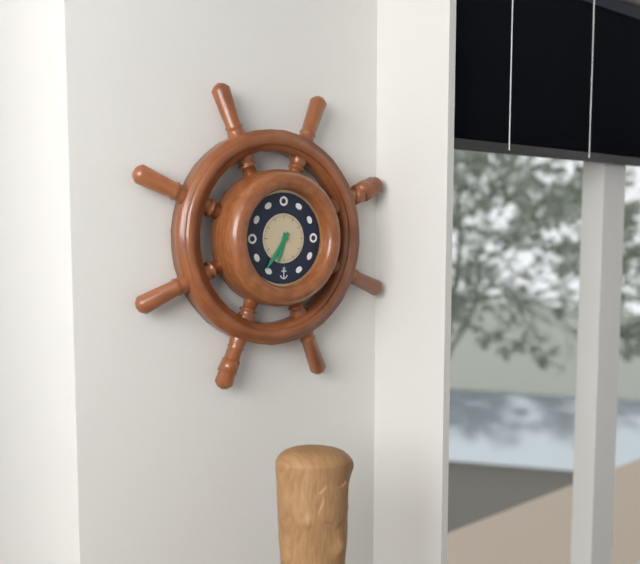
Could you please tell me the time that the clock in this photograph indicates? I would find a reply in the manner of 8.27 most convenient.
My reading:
6.36
